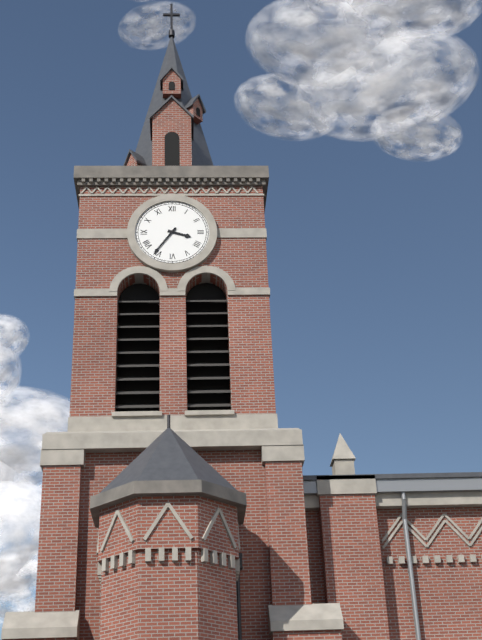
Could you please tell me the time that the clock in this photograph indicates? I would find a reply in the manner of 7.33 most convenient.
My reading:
3.36
